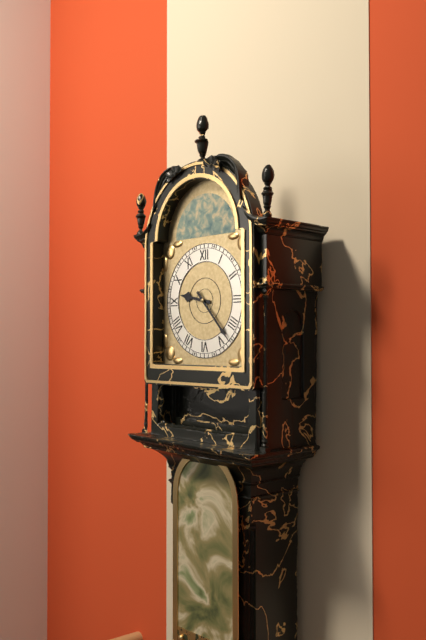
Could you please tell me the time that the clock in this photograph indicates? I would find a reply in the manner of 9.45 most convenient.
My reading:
9.23
